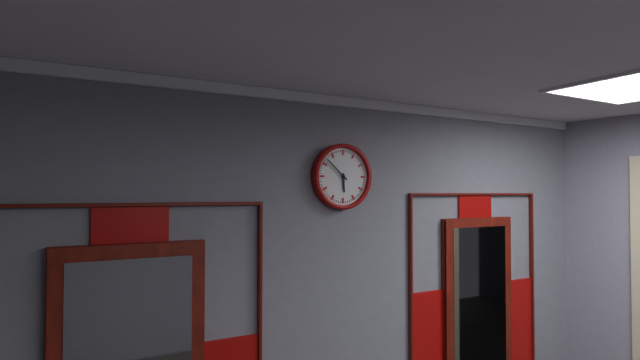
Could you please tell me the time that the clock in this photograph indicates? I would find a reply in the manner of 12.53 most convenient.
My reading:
5.52
